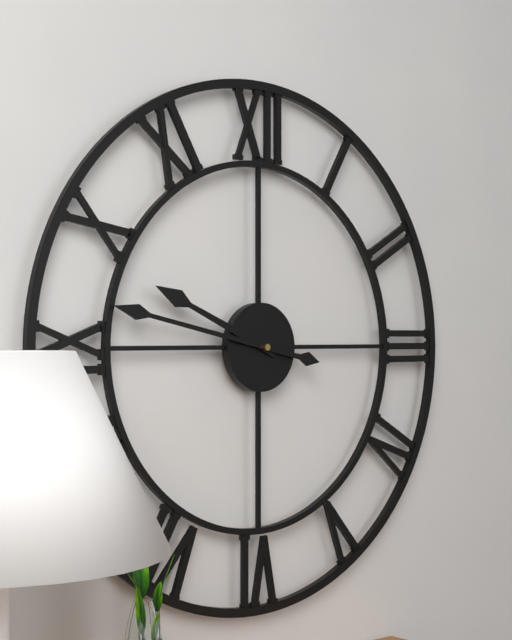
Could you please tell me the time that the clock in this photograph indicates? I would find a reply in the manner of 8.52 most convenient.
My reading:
9.47
